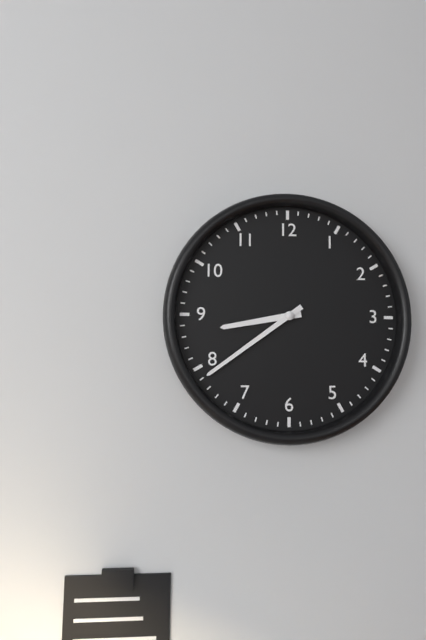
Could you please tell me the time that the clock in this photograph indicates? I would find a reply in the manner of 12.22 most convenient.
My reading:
8.39
